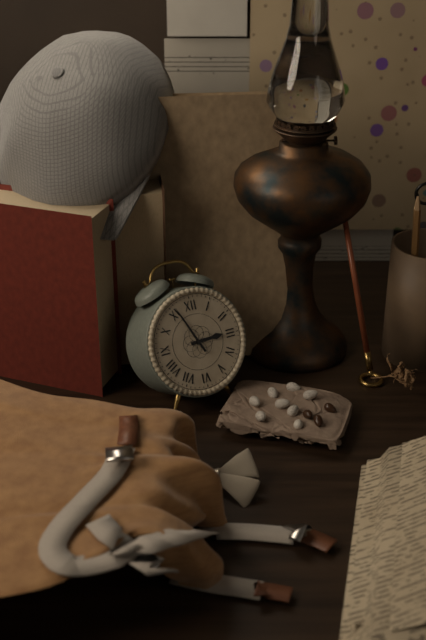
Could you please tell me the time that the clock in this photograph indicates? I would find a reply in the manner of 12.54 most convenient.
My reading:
2.56
